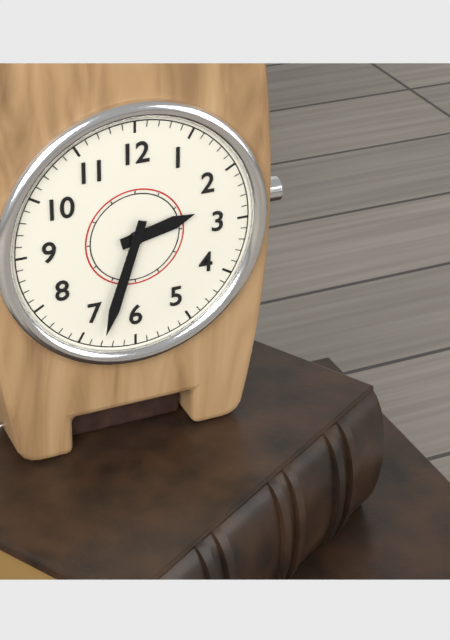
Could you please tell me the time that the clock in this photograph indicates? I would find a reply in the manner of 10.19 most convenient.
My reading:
2.33
